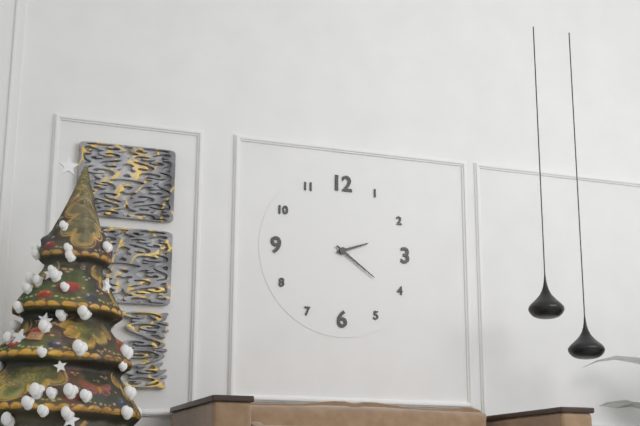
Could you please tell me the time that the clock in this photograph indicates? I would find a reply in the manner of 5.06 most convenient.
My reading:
2.21
